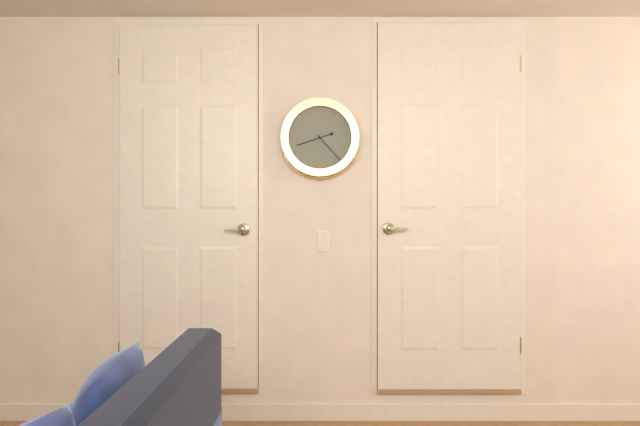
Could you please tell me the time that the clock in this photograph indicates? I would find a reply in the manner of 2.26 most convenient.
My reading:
8.23
